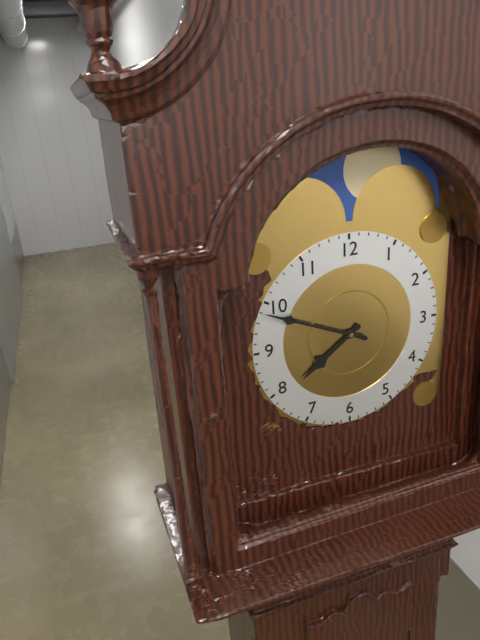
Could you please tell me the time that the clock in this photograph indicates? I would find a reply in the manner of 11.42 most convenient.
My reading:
7.49
